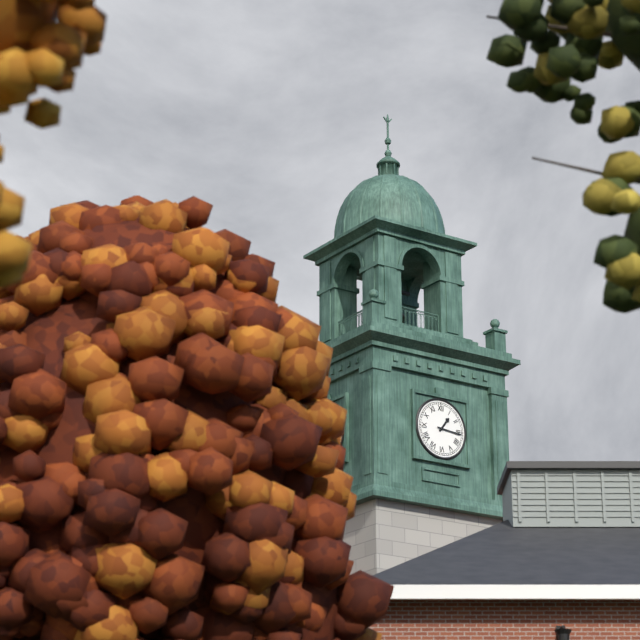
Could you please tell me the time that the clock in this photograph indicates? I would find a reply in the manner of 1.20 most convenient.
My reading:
1.16
